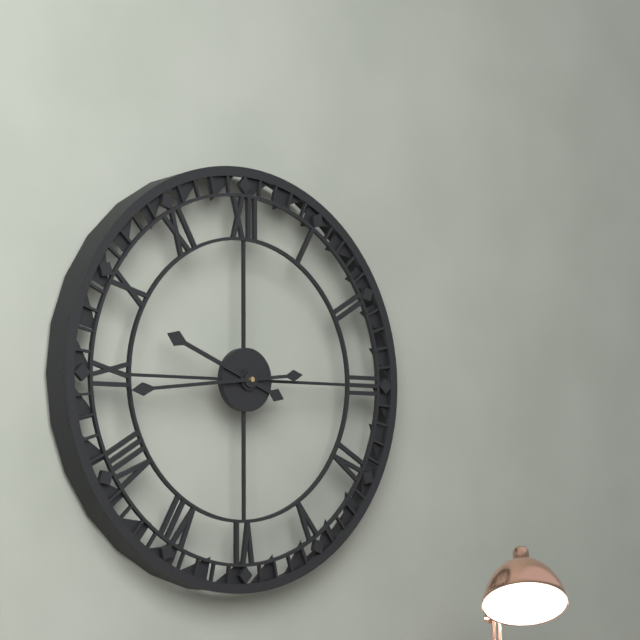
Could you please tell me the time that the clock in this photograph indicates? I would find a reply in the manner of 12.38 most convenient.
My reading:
9.44
